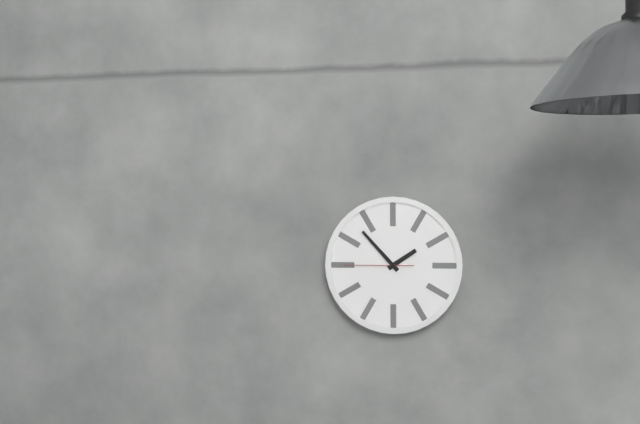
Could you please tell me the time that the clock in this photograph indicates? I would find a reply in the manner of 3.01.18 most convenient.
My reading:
1.53.45
